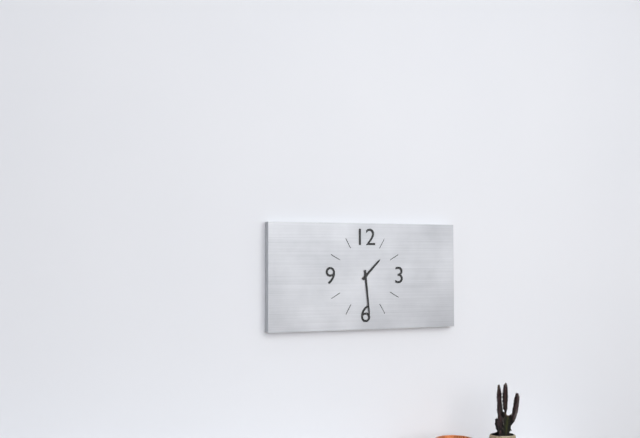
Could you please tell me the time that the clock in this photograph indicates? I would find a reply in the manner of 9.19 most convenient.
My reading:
1.29
